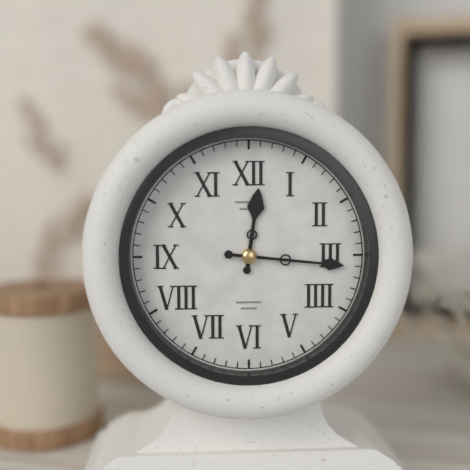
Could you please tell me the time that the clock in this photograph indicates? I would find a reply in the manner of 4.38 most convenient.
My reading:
12.16
